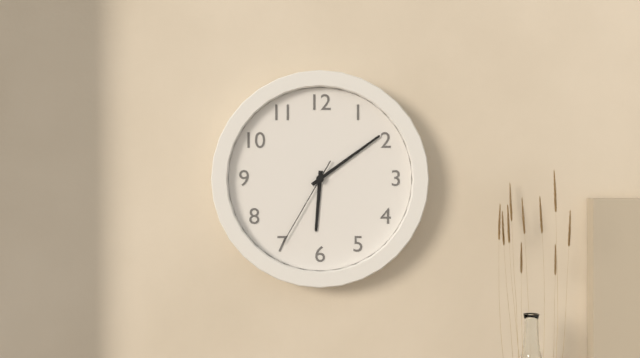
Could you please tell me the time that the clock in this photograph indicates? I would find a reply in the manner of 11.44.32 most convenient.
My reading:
6.09.35
